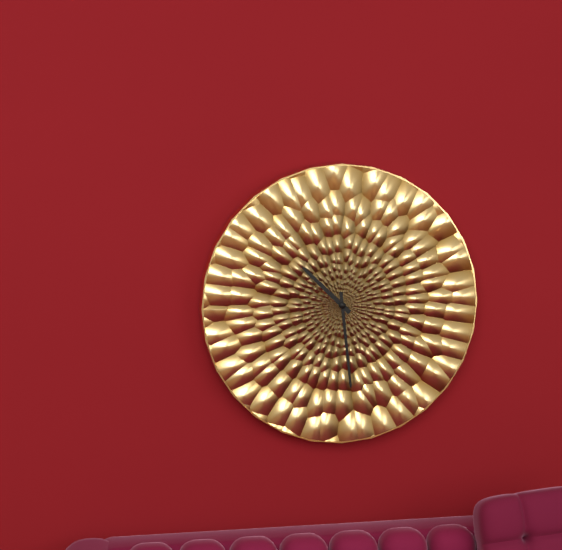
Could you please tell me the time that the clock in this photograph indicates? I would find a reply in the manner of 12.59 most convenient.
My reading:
10.29
